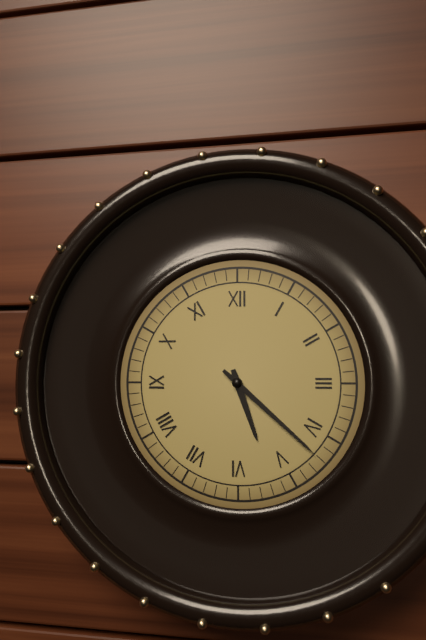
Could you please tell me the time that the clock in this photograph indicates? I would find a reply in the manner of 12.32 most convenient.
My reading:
5.22
